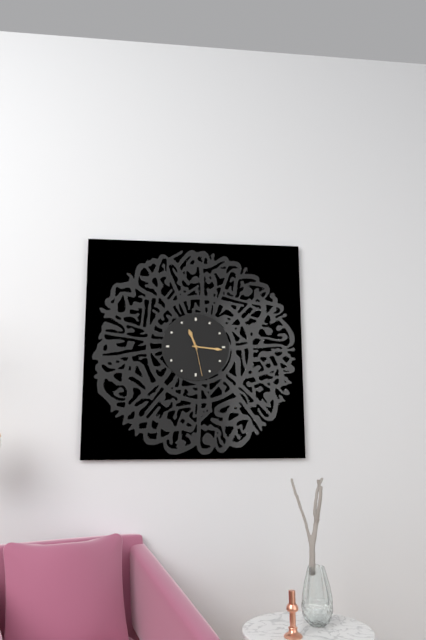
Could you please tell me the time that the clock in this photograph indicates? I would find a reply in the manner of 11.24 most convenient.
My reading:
11.16
